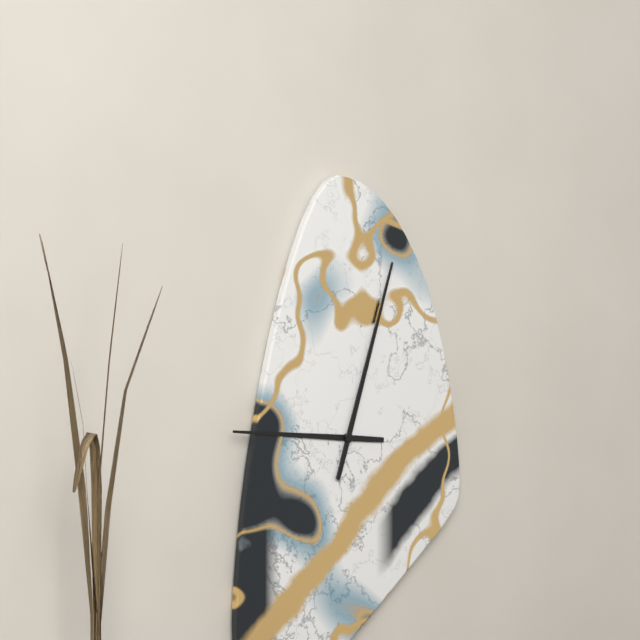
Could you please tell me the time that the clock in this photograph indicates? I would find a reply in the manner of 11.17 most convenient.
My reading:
9.03
